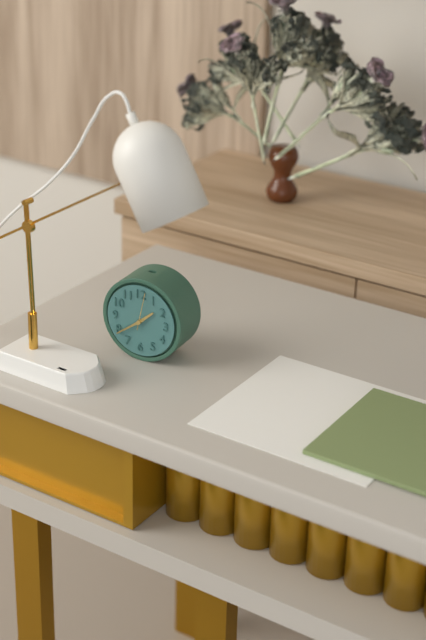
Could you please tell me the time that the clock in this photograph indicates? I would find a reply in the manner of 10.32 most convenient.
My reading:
1.39
